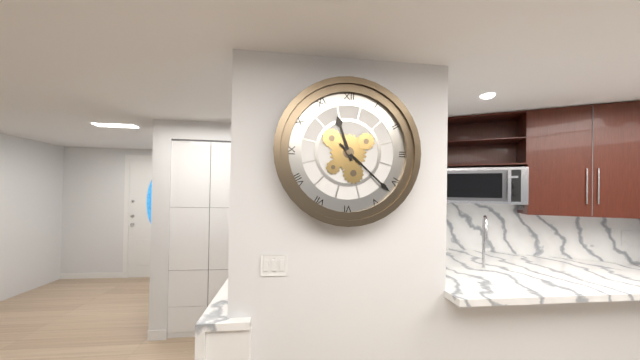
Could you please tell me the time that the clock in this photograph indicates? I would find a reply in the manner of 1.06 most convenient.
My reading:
11.22
